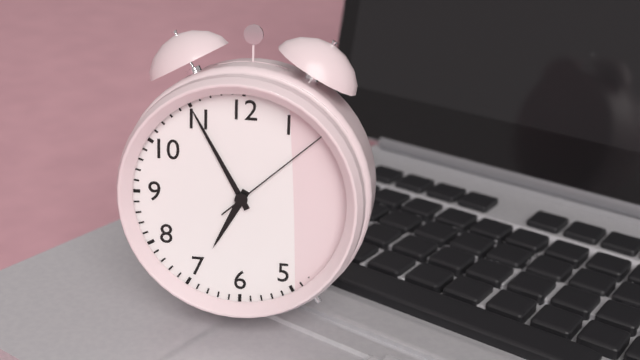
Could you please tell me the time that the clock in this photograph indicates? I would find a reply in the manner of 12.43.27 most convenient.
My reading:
6.55.08
